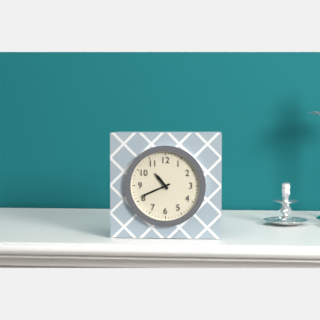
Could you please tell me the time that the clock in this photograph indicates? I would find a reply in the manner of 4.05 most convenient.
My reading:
10.41
